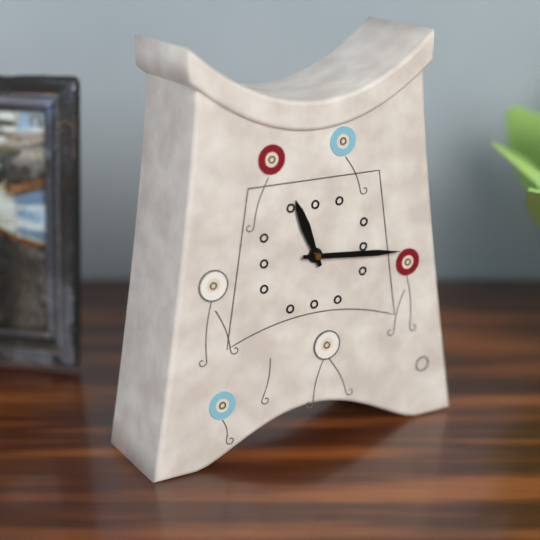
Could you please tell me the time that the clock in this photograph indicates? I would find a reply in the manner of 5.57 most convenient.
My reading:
11.16
